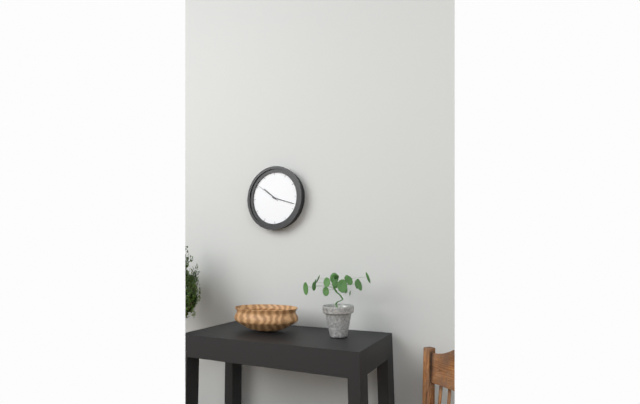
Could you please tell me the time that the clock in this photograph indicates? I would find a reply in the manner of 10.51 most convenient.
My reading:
10.18
